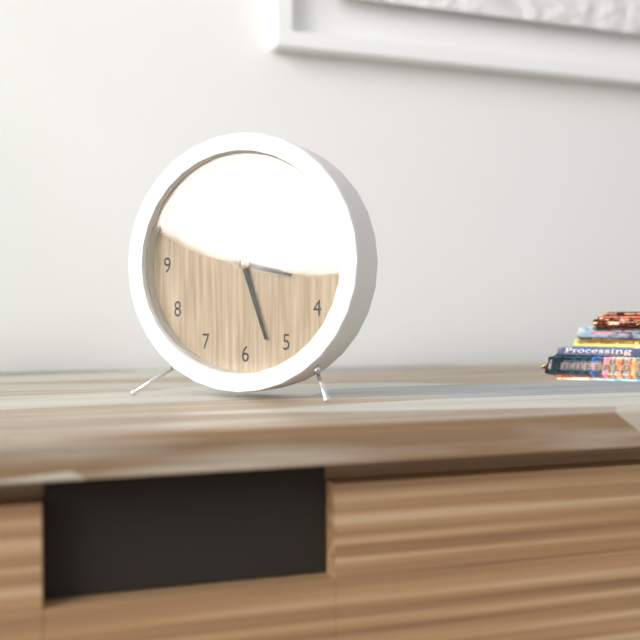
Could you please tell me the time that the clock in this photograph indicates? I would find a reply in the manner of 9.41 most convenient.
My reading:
3.27
